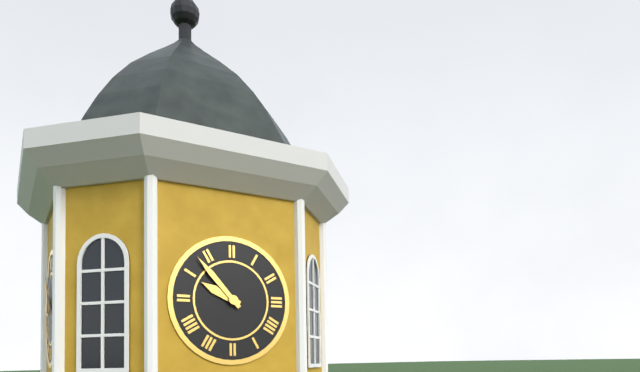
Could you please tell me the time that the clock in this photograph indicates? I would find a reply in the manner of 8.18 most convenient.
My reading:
9.53
